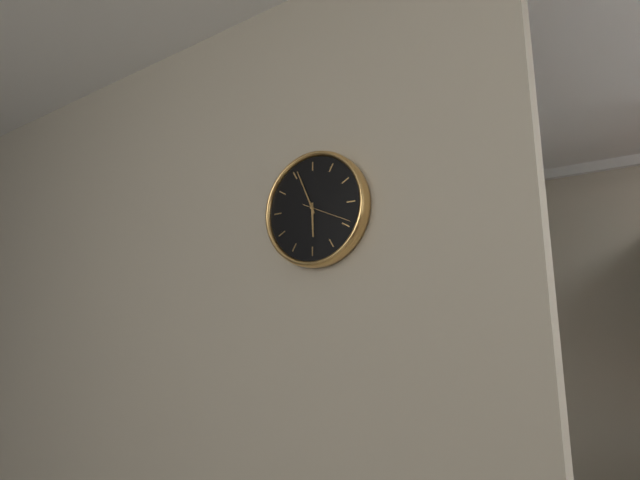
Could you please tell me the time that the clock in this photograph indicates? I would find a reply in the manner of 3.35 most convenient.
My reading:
5.56
